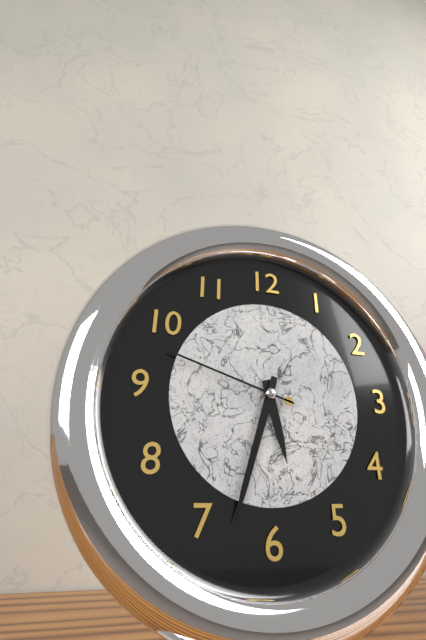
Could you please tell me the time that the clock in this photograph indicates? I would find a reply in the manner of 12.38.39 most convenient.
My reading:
5.33.48
